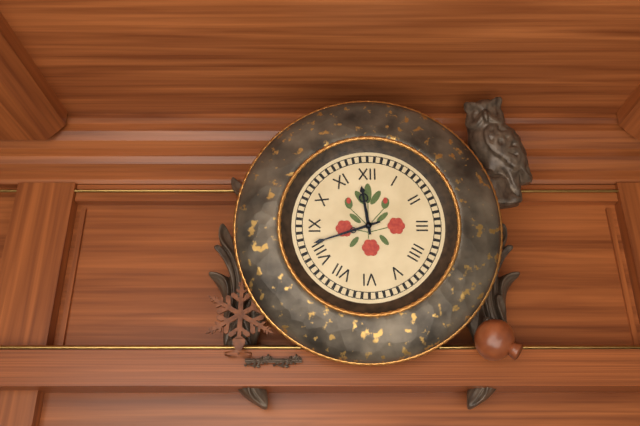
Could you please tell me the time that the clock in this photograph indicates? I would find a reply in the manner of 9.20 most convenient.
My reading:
11.42
